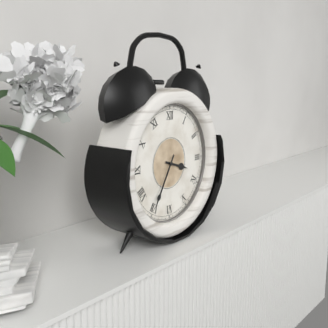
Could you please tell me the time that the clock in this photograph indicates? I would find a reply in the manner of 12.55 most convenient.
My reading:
3.35
